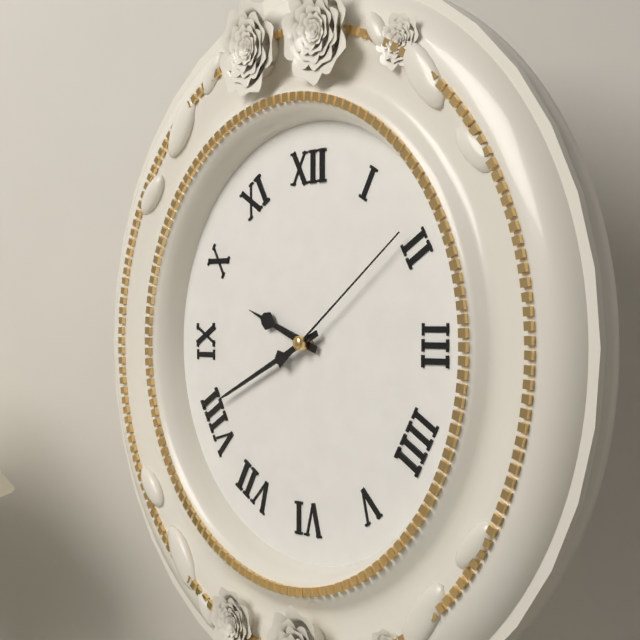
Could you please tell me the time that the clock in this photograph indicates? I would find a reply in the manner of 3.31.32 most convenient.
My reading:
9.41.09
